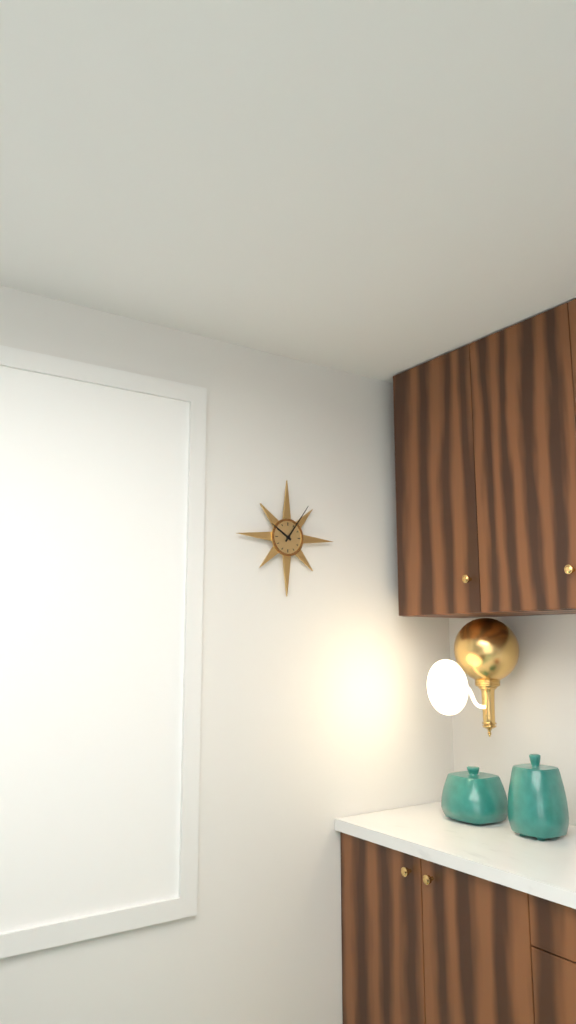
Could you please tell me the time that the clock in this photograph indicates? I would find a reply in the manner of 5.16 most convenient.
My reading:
10.06
